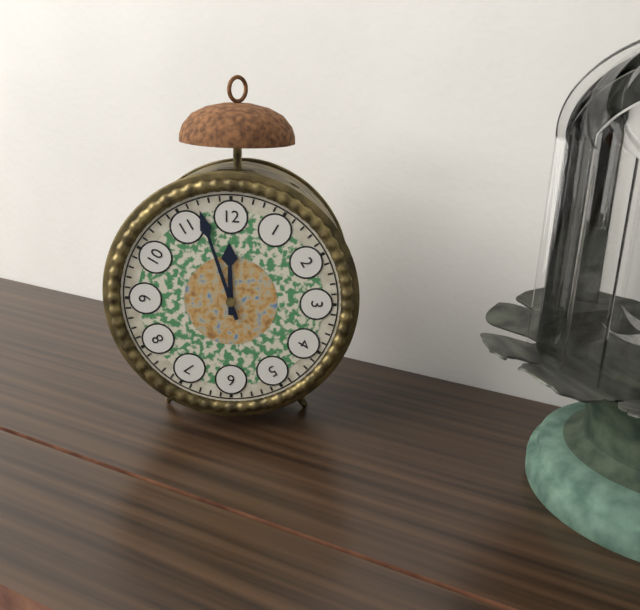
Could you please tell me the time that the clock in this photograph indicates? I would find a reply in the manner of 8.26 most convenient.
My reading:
11.57
